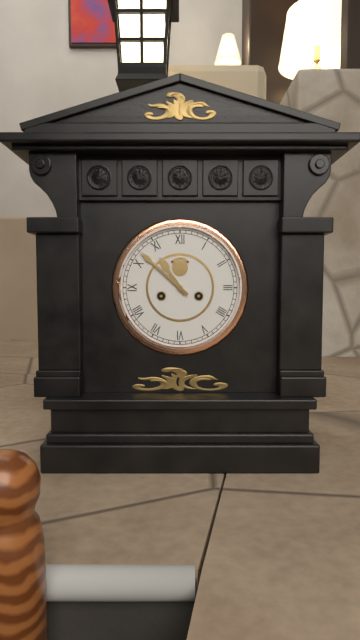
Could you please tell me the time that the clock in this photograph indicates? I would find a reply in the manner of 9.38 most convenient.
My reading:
10.52
